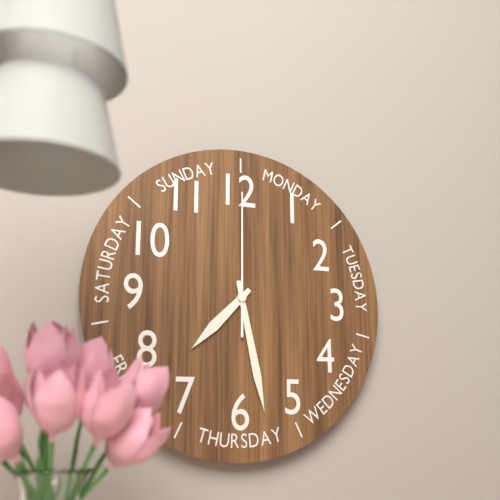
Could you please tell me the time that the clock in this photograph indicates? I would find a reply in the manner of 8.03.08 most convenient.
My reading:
7.28.00
